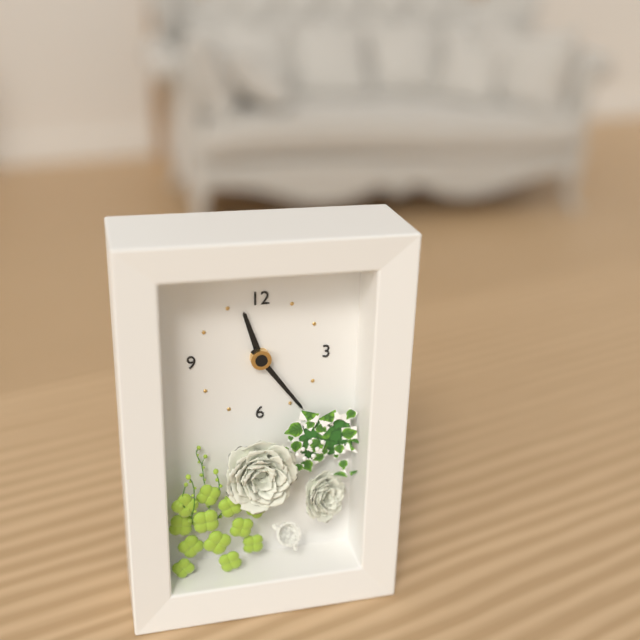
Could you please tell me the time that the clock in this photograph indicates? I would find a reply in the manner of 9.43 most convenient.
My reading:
11.24
